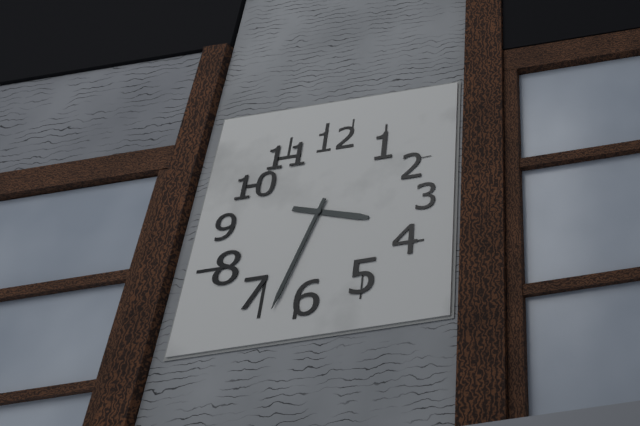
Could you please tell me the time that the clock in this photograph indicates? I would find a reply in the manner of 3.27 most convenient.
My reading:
3.33
